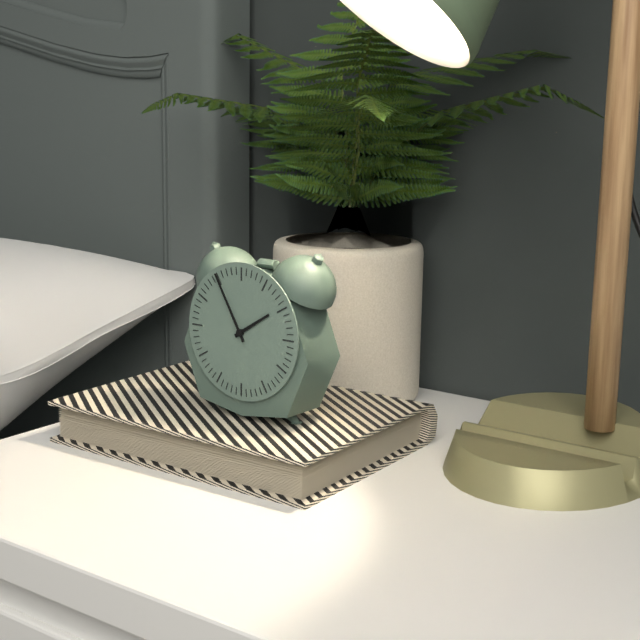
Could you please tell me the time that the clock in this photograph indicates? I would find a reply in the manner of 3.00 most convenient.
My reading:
1.55
